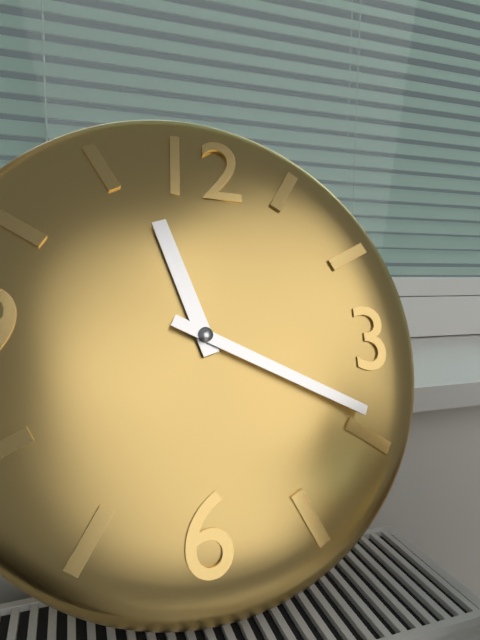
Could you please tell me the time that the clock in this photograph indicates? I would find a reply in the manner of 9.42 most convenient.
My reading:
11.19
